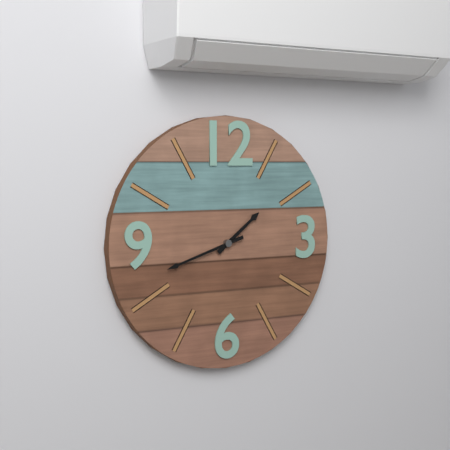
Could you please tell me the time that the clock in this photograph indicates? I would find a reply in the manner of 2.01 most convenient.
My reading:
1.42
